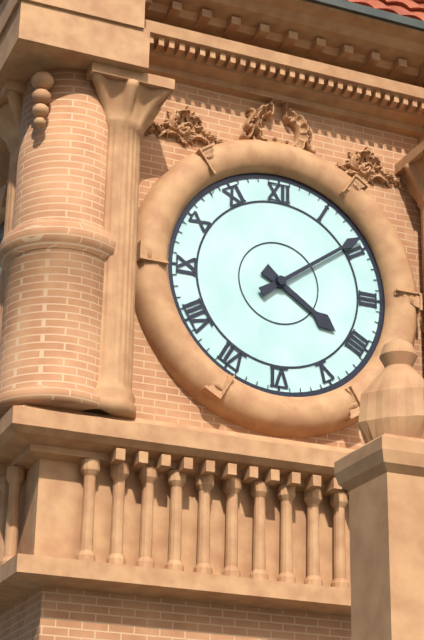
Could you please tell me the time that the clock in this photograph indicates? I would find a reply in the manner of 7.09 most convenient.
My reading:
4.09
